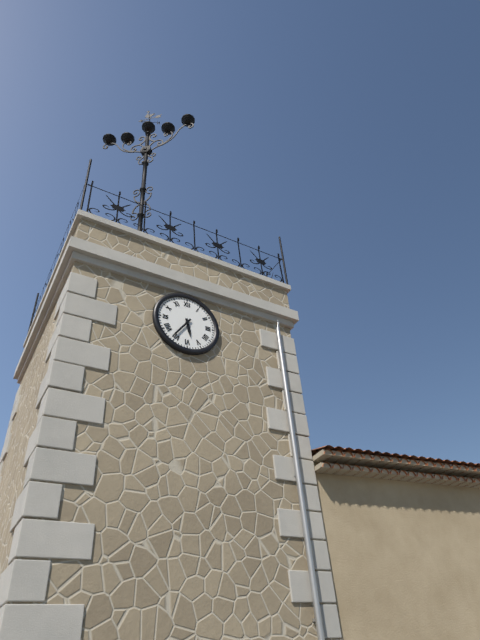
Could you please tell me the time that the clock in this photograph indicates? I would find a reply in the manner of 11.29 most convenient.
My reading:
5.36
